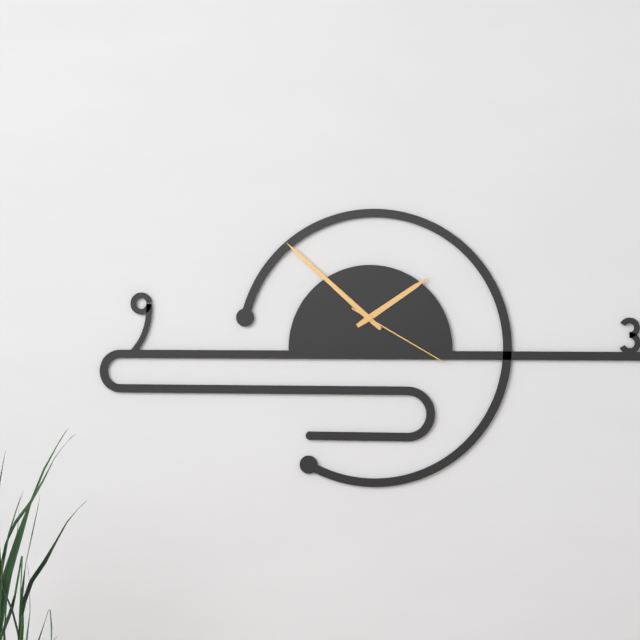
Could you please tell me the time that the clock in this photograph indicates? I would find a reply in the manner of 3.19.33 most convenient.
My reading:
1.52.20
